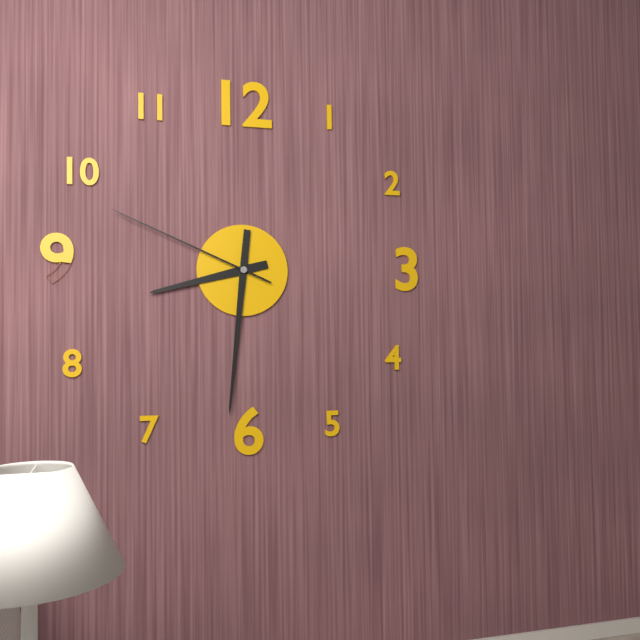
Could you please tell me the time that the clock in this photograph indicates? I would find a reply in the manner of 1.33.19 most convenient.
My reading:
8.31.49
